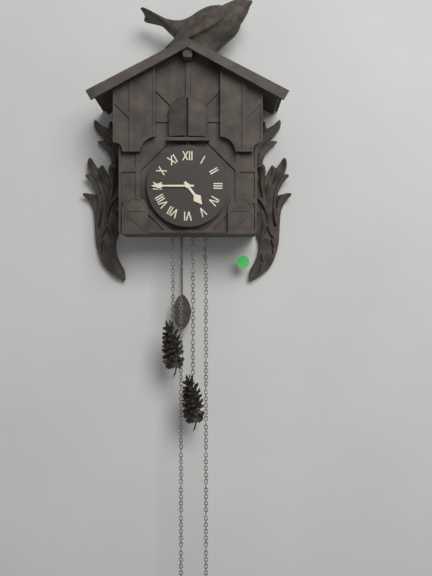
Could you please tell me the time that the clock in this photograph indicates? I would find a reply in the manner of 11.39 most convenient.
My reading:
4.45
